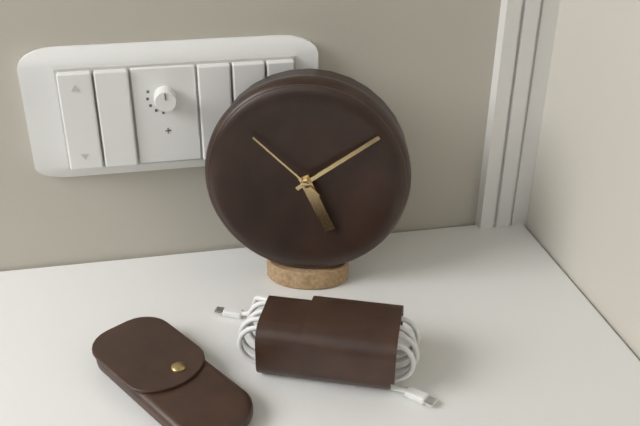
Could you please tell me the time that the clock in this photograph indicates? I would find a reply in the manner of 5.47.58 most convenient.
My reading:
5.09.52
